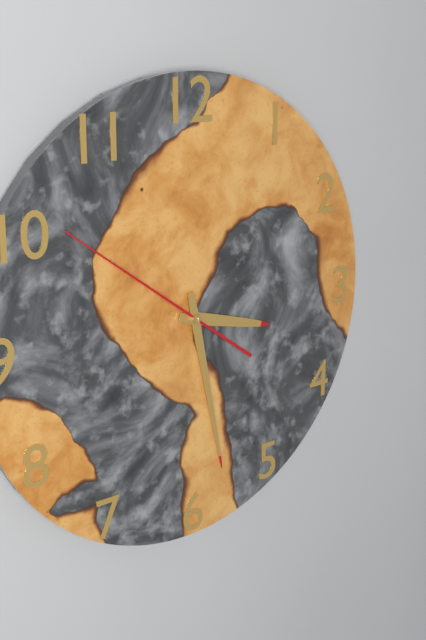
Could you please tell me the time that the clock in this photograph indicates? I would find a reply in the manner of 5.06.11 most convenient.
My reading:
3.28.51
